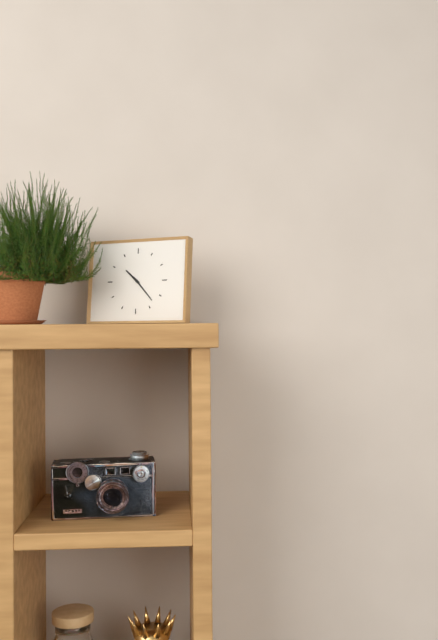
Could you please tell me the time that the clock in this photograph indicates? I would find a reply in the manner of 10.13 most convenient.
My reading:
10.23
